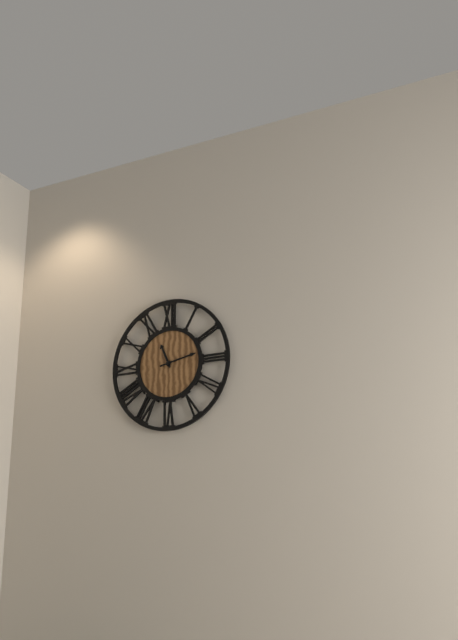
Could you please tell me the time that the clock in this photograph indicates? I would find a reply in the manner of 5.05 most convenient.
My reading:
11.13
